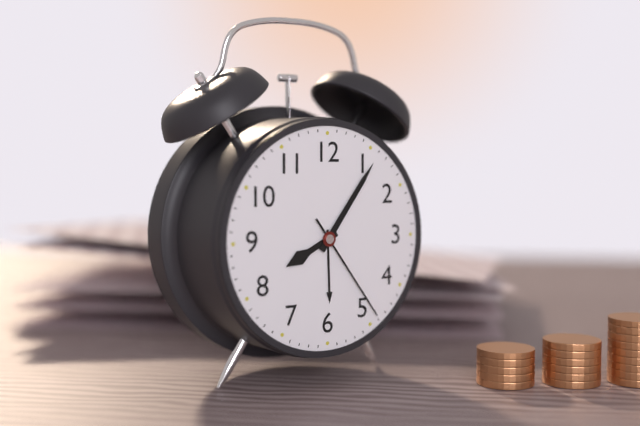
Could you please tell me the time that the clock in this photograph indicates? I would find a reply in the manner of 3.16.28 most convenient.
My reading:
8.06.24
